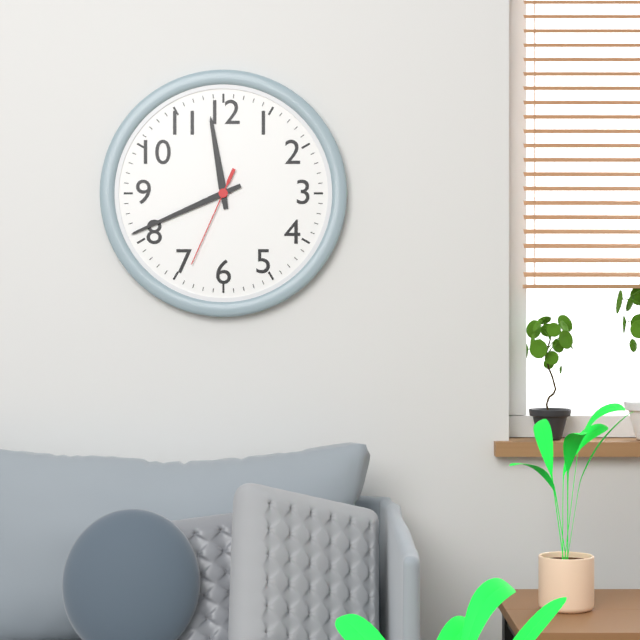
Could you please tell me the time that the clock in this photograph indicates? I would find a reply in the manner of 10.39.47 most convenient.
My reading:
11.41.34
